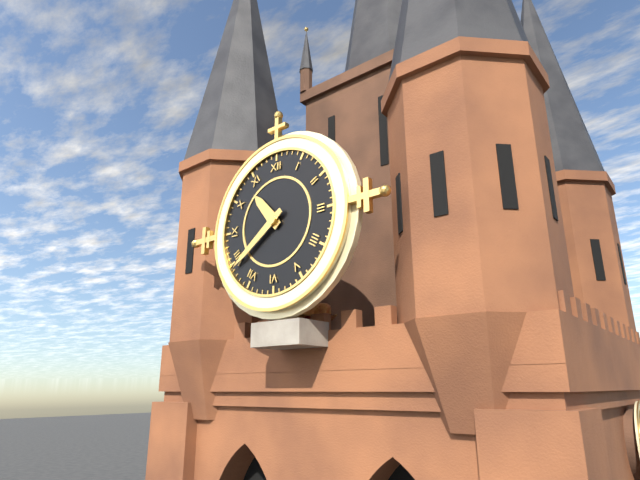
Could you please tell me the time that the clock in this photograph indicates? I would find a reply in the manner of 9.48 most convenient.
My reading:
10.39
